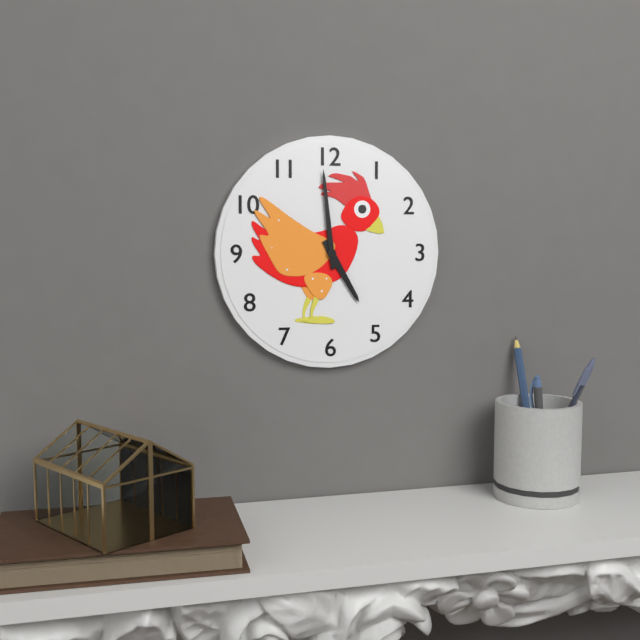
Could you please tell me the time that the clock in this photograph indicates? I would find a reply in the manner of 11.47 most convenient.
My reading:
4.59
